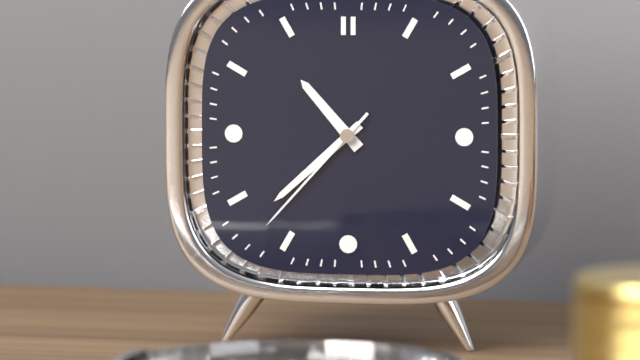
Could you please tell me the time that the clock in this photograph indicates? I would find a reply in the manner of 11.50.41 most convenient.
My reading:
10.38.37
